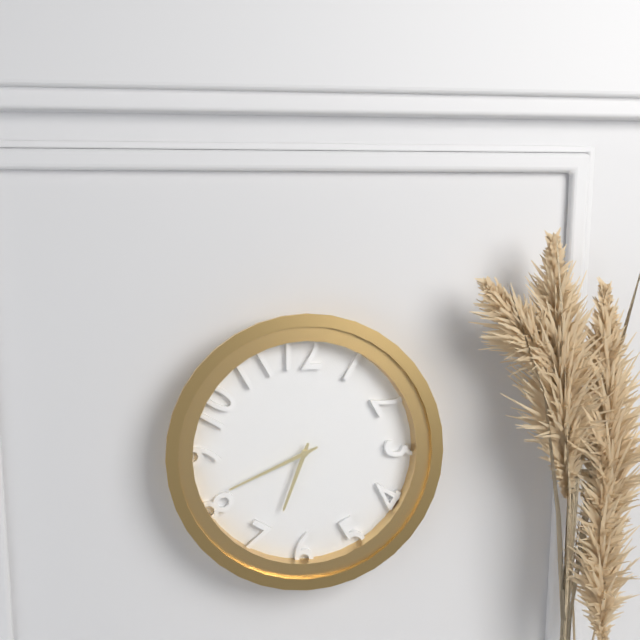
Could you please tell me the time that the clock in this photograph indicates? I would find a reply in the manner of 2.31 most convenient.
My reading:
6.41
